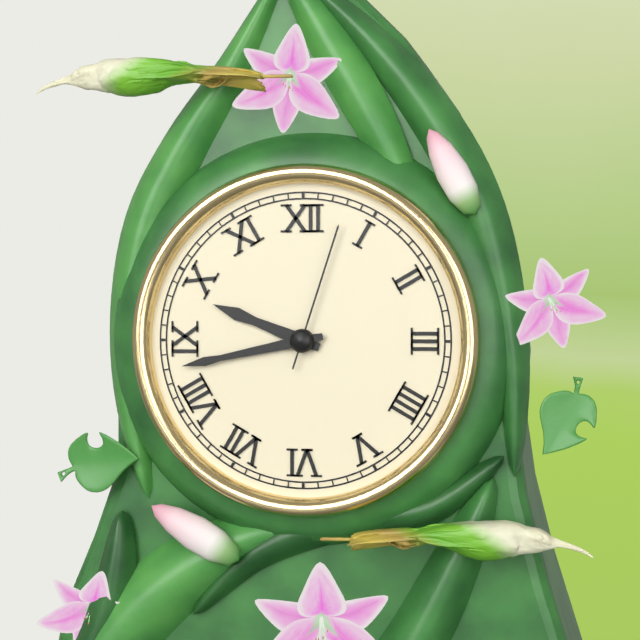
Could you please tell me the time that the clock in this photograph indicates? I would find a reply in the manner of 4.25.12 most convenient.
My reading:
9.43.03
